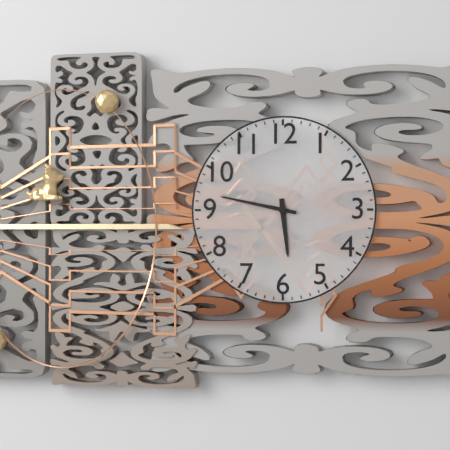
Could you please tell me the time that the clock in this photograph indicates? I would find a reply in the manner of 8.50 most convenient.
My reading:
5.47
